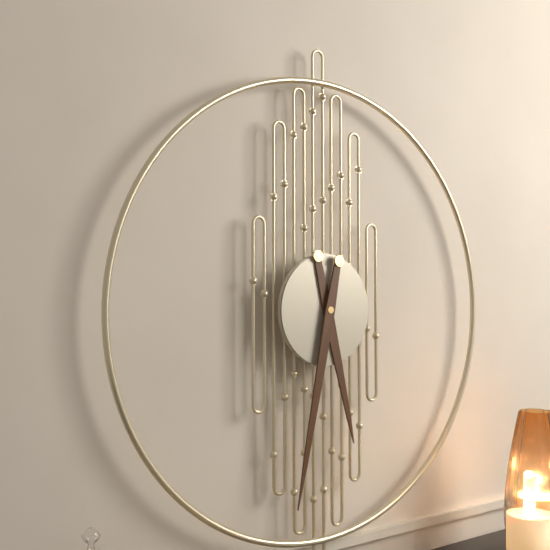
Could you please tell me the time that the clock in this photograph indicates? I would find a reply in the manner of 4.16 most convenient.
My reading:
5.32
